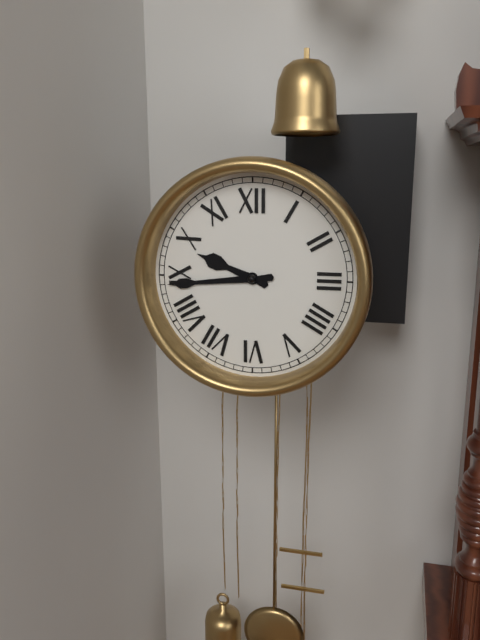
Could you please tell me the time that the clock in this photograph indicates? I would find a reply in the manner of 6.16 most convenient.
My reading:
9.44
